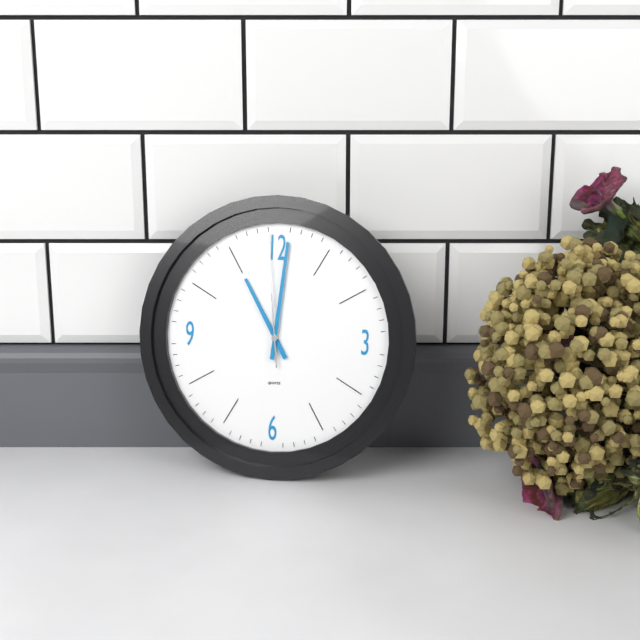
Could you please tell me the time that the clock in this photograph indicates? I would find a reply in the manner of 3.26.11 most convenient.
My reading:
11.01.59
